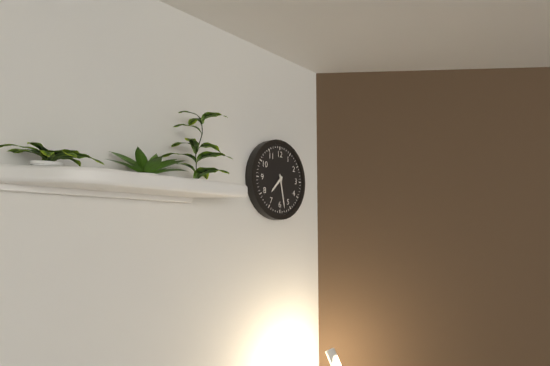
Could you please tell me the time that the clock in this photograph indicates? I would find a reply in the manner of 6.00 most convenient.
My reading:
7.28
